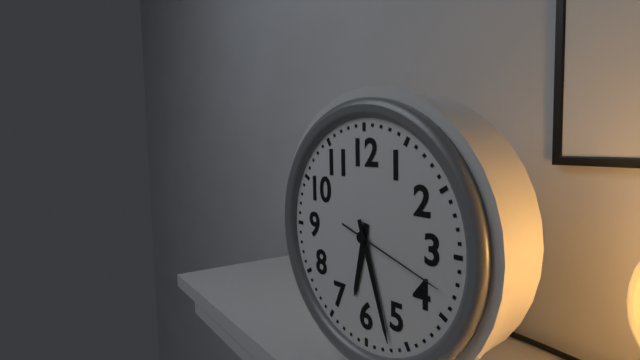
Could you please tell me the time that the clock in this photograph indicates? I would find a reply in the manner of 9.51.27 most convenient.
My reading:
6.27.18
